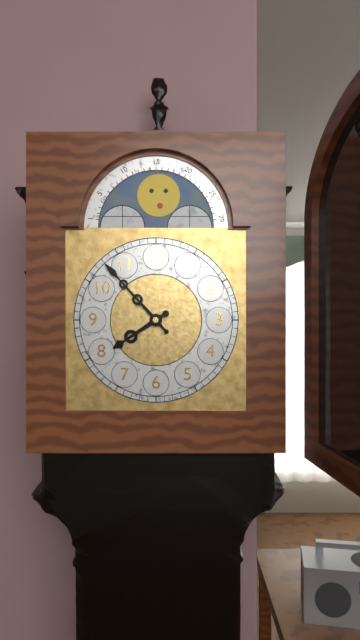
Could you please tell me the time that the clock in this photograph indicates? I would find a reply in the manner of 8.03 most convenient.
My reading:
7.53
